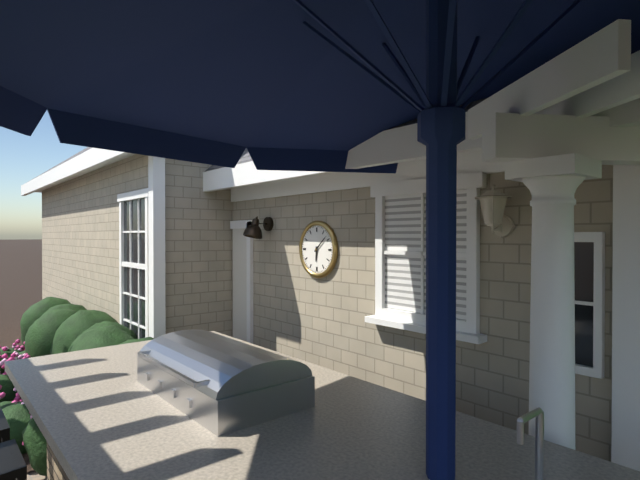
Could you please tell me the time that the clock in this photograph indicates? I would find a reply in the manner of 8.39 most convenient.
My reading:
6.08
